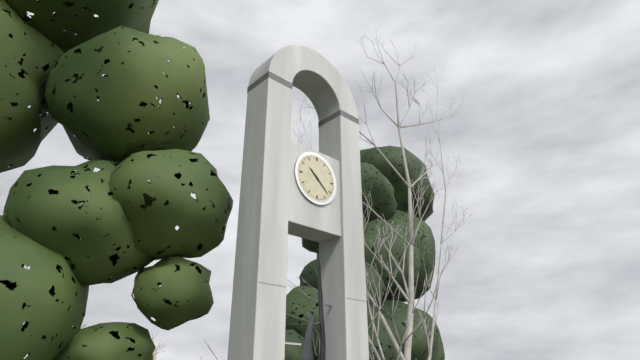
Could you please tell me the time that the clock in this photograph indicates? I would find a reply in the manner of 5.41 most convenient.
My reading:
10.22
